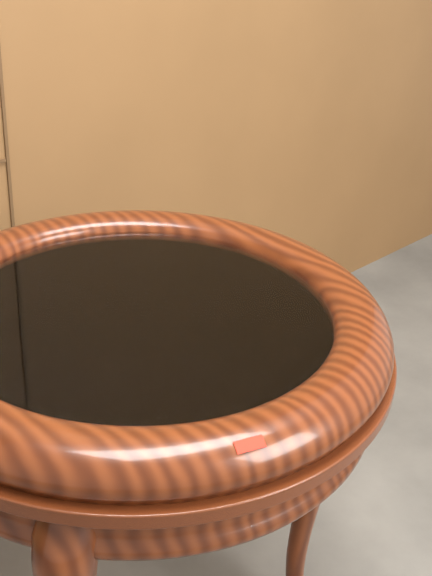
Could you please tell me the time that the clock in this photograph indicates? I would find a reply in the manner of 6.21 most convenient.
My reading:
8.58
